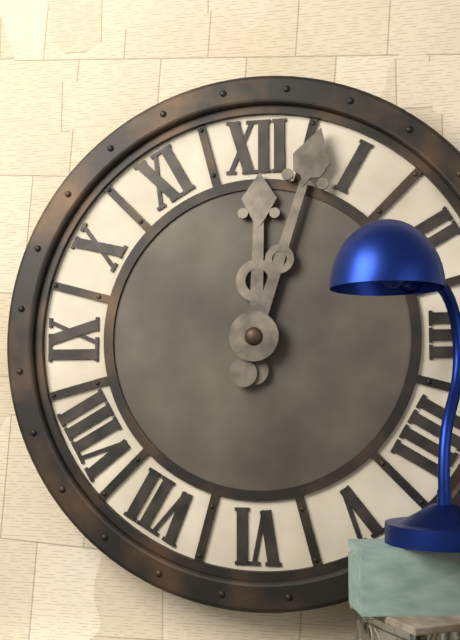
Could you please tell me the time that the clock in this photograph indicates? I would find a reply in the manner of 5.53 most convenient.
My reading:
12.03
